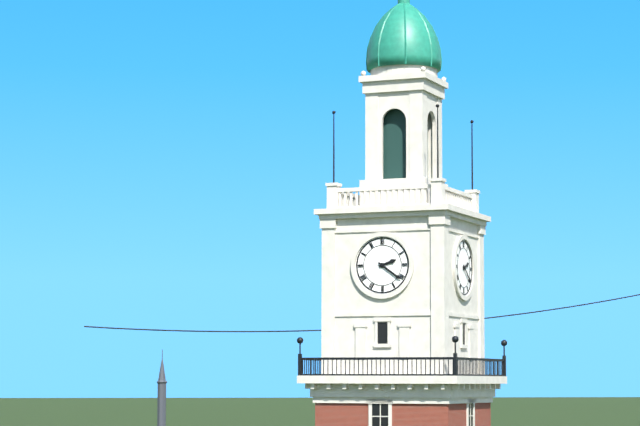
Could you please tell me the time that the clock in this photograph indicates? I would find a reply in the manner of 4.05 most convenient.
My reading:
2.21
